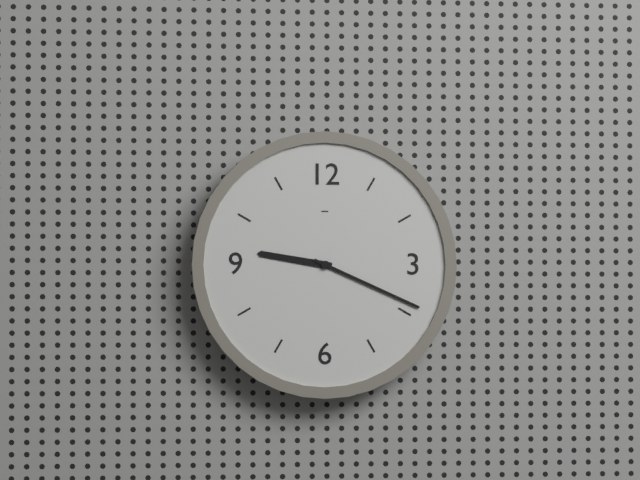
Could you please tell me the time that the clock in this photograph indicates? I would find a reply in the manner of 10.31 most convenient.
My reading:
9.19
